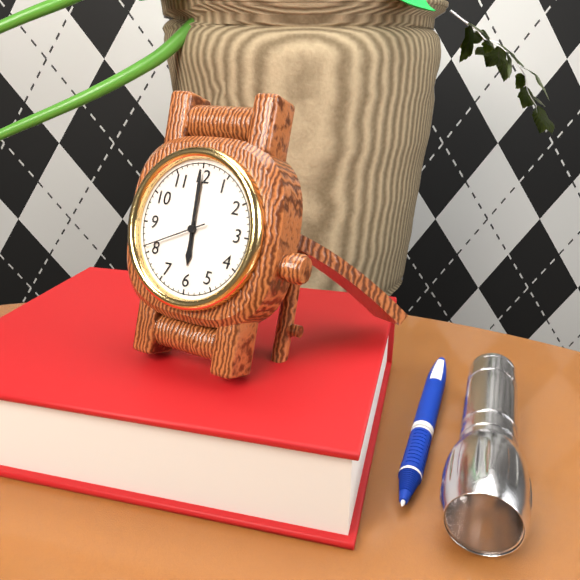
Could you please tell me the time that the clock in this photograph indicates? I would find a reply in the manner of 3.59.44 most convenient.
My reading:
6.00.41
